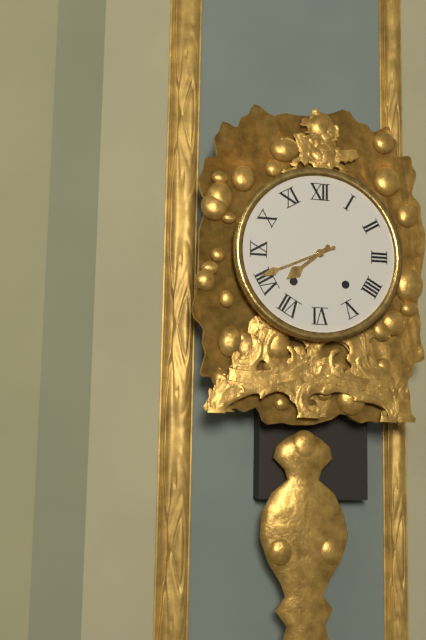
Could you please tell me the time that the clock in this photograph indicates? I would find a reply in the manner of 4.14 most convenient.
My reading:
7.41
